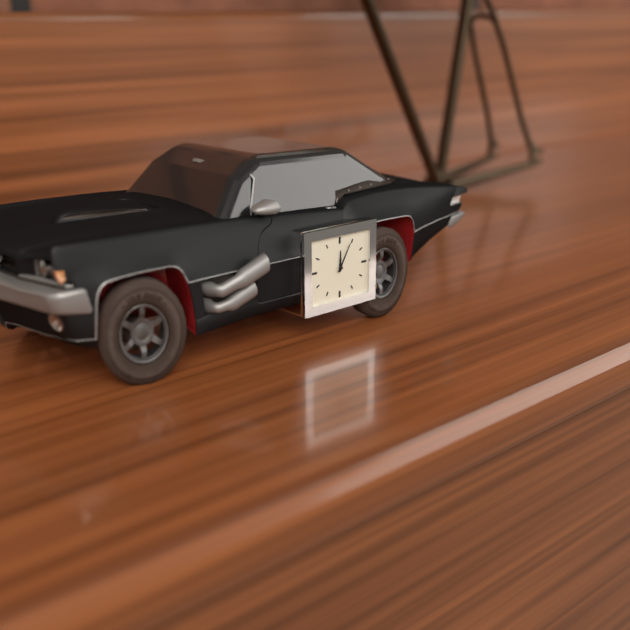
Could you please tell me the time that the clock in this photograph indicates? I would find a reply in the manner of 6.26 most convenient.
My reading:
12.05
